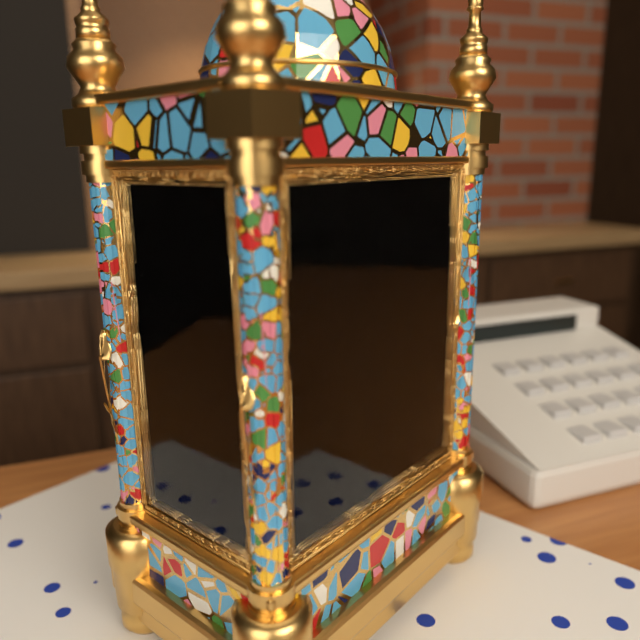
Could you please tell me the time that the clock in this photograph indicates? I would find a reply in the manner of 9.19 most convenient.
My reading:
4.59
